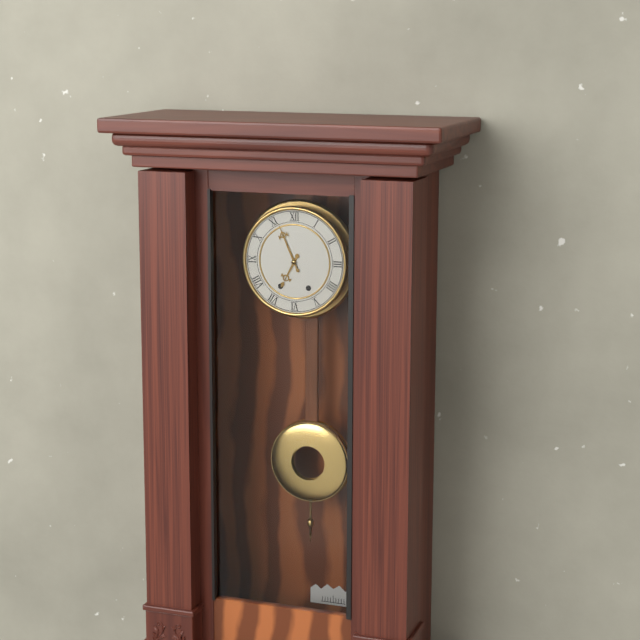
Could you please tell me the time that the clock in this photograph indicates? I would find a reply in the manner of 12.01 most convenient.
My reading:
6.56
